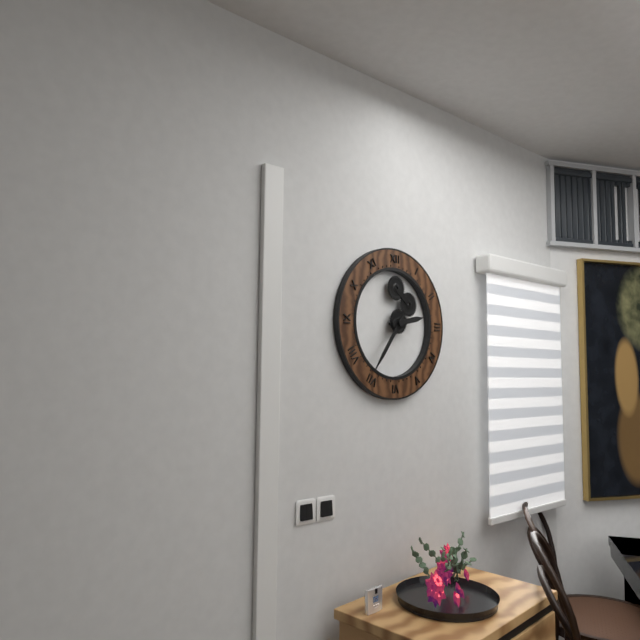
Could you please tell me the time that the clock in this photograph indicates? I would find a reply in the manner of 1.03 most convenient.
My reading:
2.36
